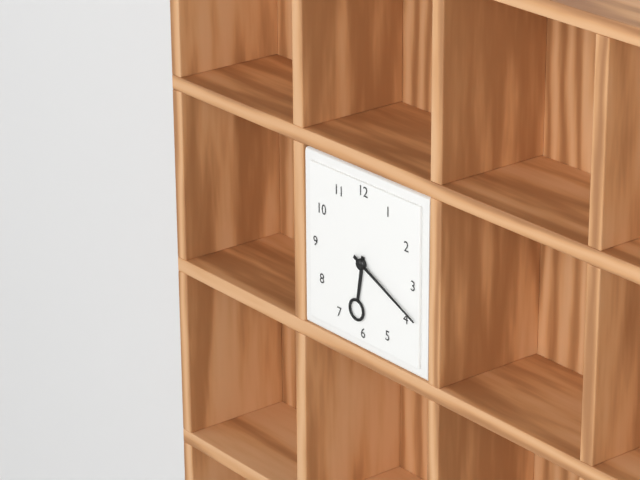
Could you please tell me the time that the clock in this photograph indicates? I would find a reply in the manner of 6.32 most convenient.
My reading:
6.19
